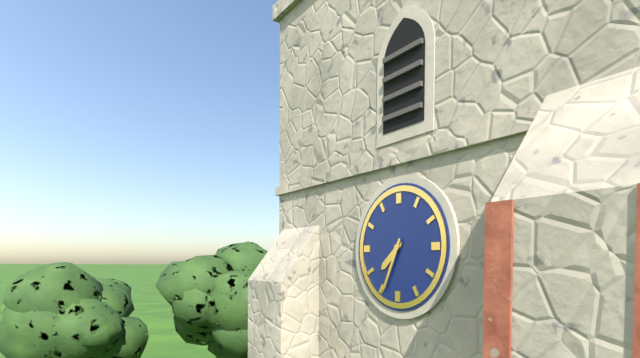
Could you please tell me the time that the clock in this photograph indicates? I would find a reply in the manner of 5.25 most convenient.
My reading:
7.34
